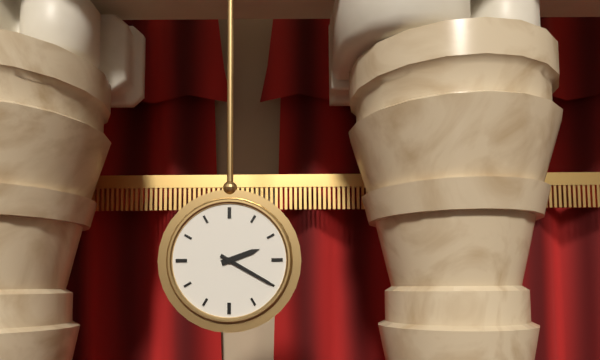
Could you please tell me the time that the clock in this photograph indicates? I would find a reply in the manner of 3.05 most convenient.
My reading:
2.20
